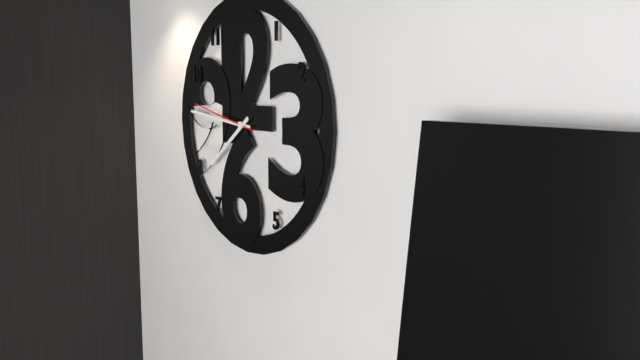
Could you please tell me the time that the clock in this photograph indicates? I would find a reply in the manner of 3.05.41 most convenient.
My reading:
7.46.47
